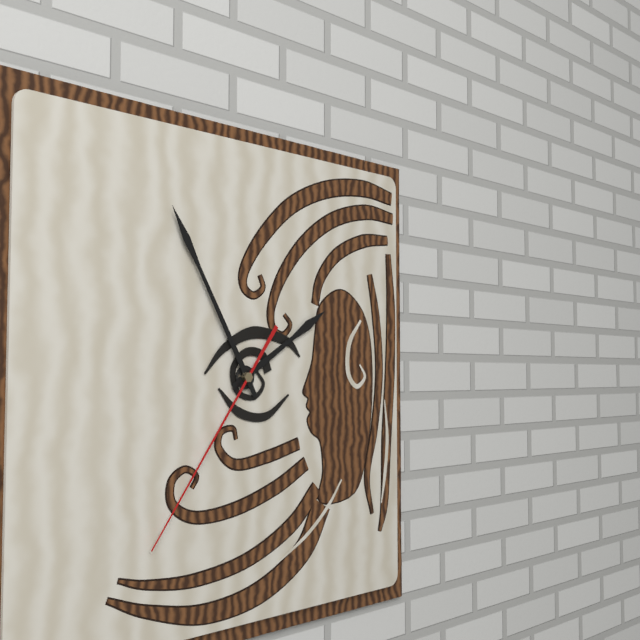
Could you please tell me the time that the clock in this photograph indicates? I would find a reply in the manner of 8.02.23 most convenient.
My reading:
1.55.36
